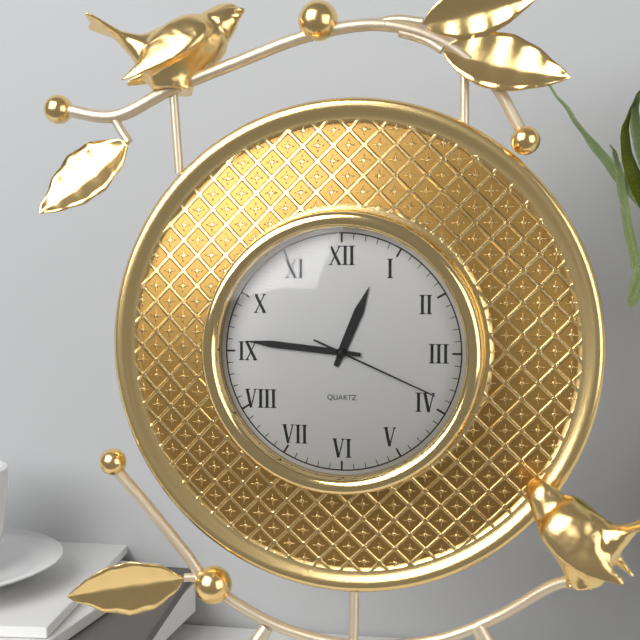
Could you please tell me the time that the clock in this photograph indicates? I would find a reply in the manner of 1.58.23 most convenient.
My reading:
12.46.19
